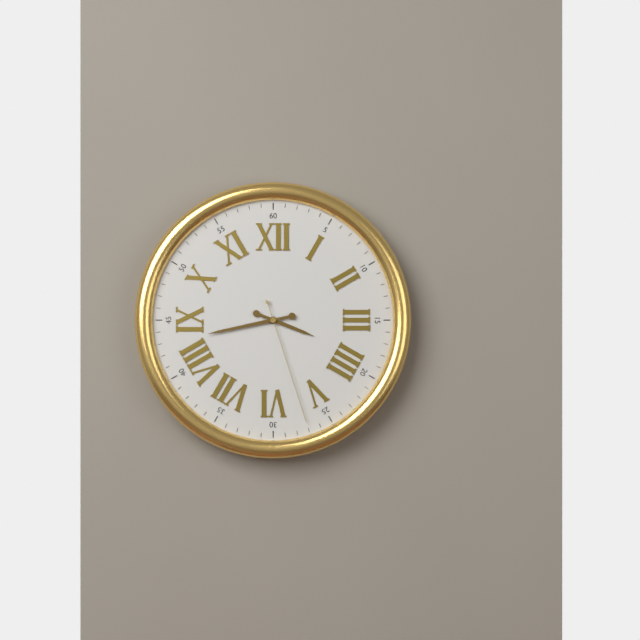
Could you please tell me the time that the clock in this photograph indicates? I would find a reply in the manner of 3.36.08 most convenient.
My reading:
3.43.27
